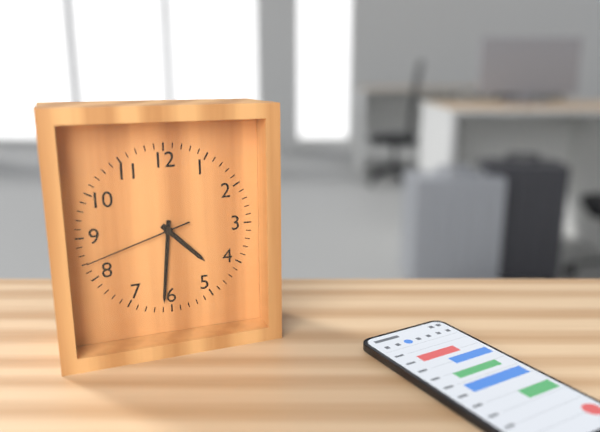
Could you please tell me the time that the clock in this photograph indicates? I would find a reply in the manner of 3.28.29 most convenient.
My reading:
4.31.42
